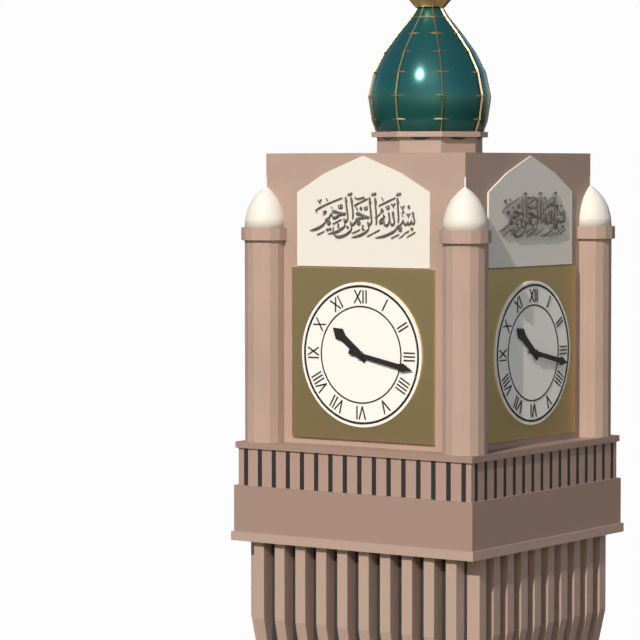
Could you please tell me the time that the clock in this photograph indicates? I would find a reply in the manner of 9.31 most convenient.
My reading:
10.17
